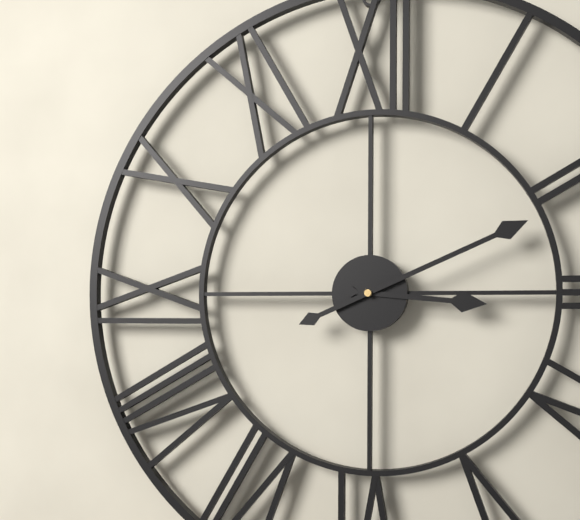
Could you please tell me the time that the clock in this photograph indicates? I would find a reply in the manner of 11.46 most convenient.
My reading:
3.11
